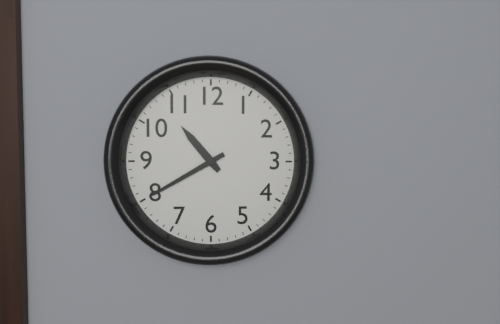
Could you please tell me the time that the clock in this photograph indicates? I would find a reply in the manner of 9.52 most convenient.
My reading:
10.40
